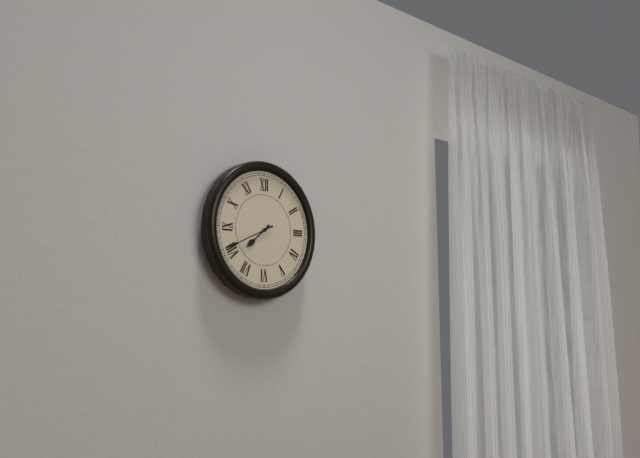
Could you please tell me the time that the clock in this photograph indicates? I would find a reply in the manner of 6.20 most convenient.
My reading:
7.41
